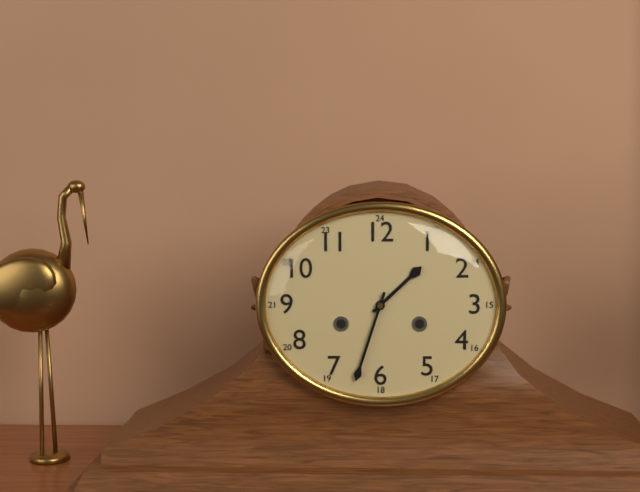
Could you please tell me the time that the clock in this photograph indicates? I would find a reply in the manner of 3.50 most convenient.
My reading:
1.33
